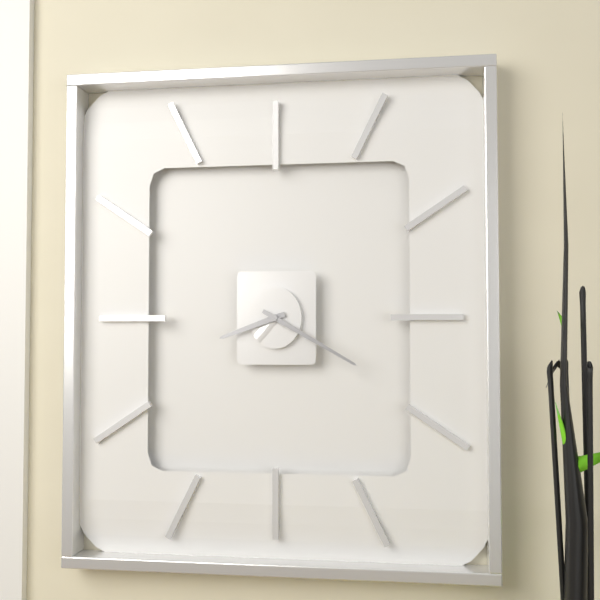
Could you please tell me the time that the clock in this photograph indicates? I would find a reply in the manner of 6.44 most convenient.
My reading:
8.20
